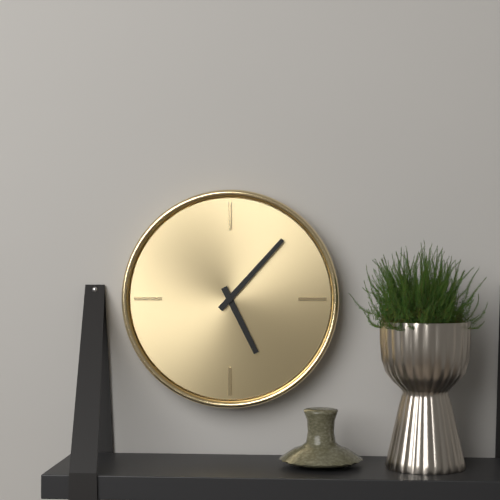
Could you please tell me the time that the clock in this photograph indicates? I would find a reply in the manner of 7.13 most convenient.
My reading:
5.07
